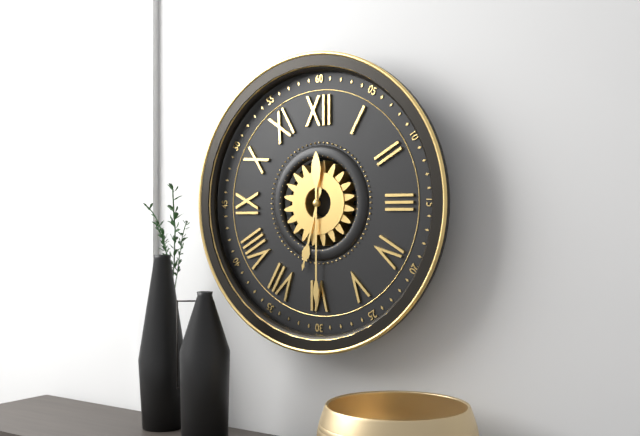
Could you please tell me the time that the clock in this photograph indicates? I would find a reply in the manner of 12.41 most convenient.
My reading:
6.30
